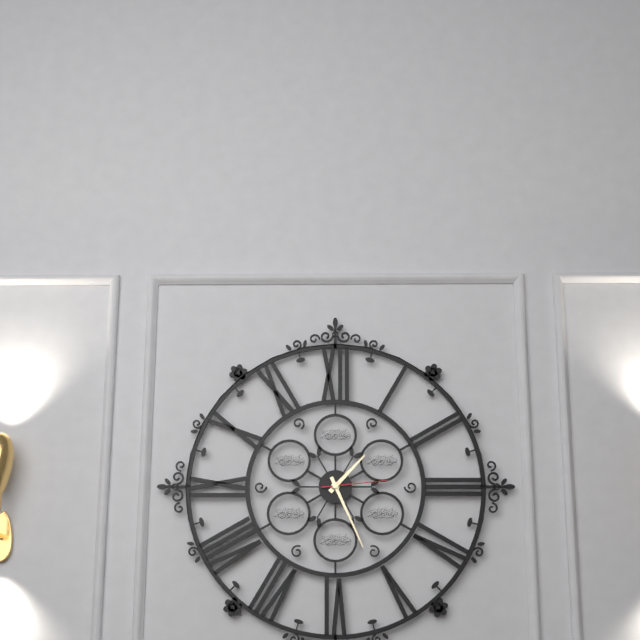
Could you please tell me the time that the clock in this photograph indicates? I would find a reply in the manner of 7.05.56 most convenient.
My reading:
1.26.14
